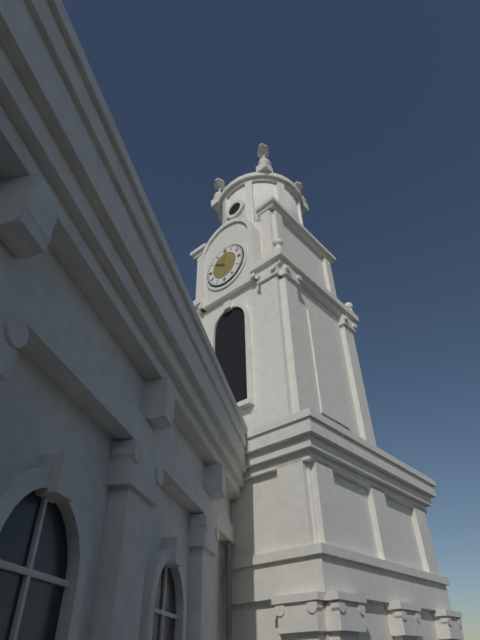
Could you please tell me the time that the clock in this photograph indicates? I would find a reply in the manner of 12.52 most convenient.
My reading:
10.02
